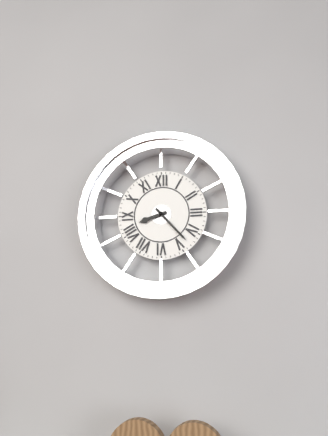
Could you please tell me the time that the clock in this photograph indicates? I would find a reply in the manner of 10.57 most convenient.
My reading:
8.23
